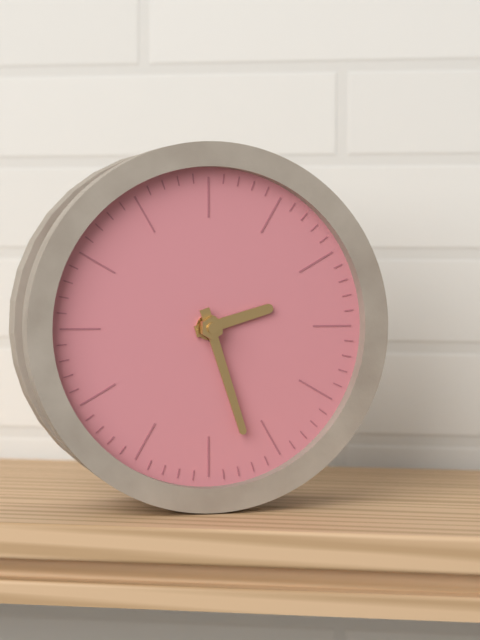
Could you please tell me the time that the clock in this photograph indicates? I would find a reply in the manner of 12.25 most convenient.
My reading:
2.27
